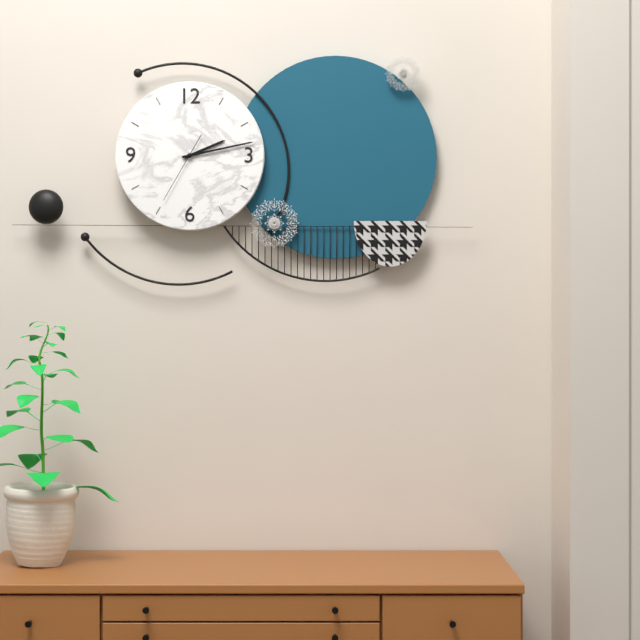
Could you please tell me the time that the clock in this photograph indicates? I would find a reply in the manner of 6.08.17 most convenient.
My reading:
2.13.35
